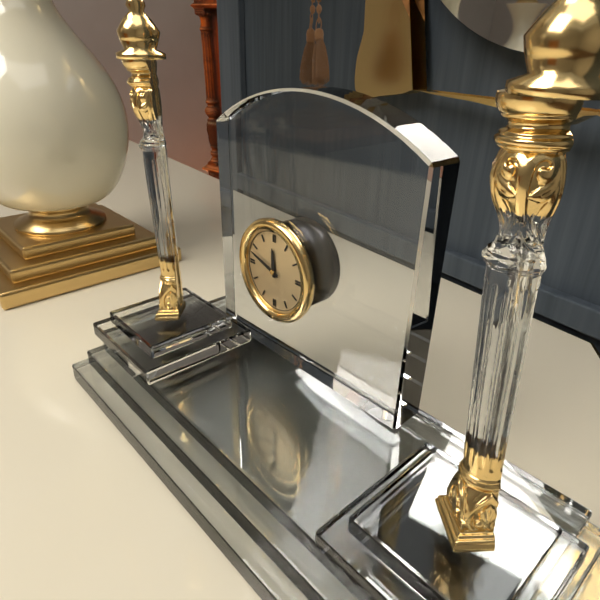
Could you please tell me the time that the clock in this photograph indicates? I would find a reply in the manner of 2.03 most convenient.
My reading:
11.48
